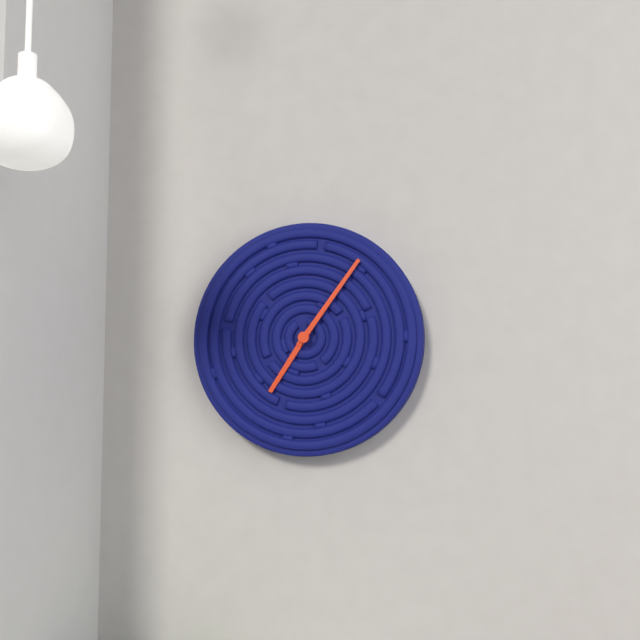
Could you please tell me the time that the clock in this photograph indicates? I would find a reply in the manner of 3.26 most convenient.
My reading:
7.06
